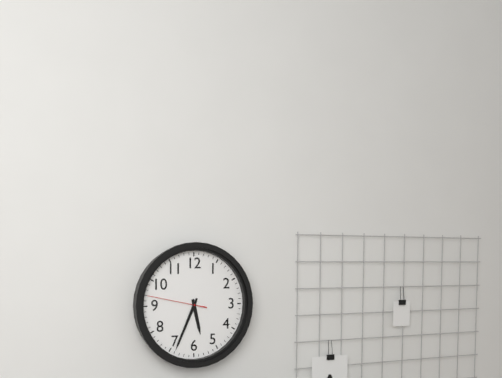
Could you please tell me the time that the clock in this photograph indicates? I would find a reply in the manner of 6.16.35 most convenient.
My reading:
5.34.47
